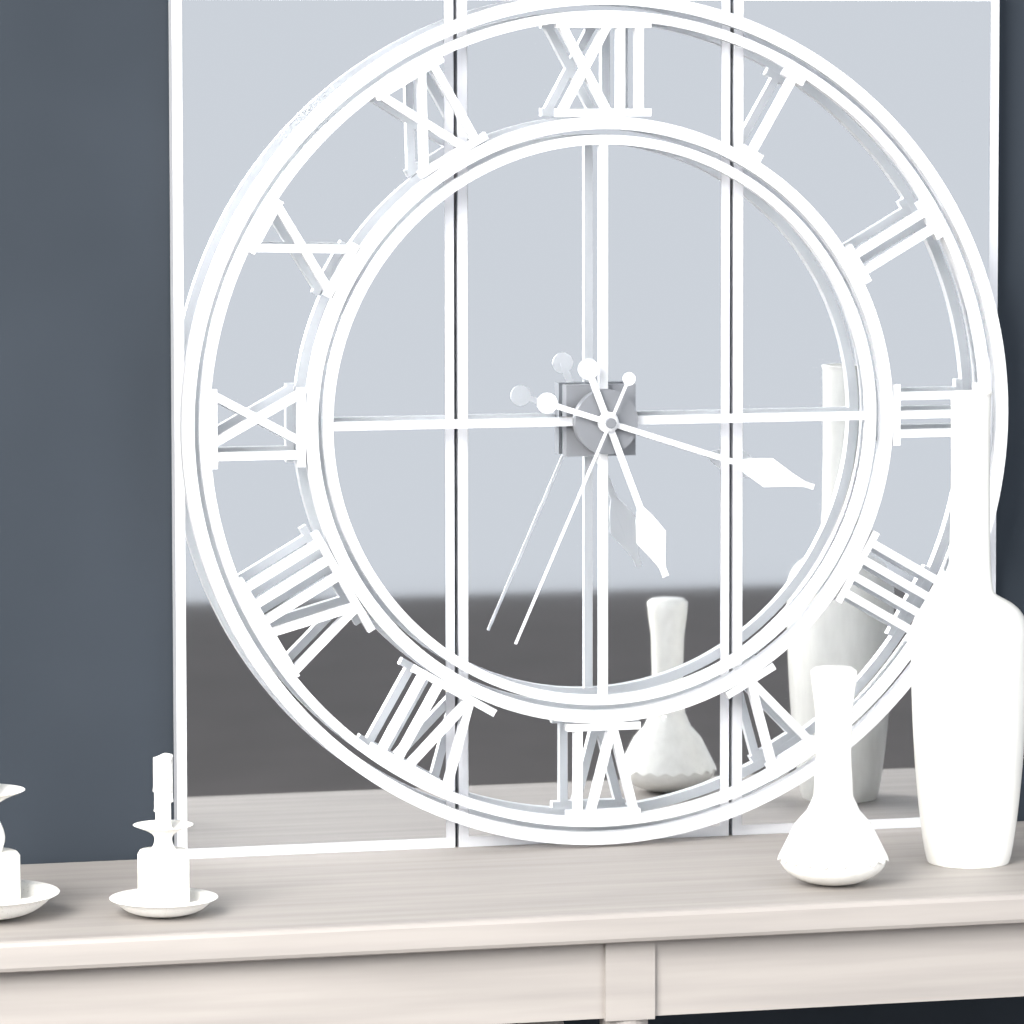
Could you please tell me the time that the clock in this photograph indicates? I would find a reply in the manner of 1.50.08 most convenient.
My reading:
5.18.34
